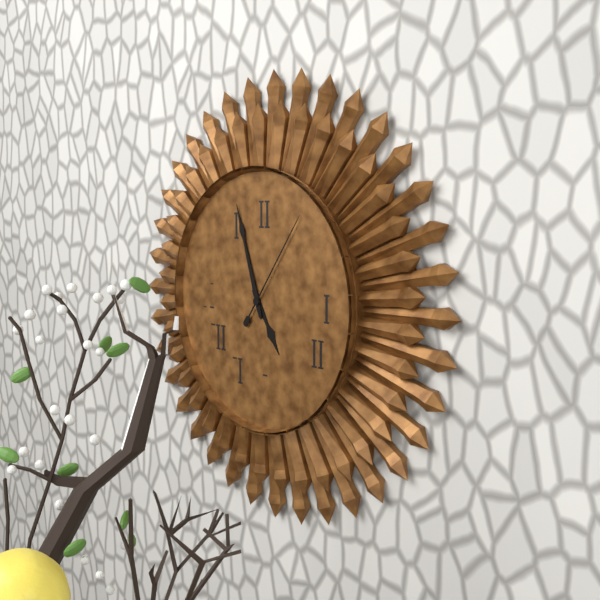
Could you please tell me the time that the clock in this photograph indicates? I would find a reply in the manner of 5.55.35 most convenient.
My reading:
4.57.06
